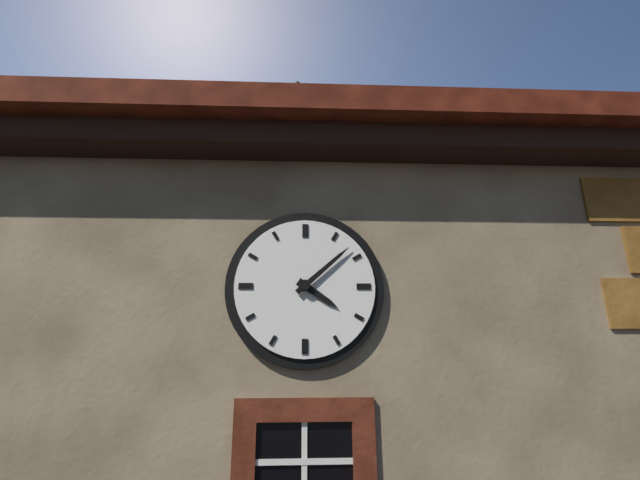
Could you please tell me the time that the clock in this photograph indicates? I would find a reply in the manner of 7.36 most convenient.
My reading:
4.08
